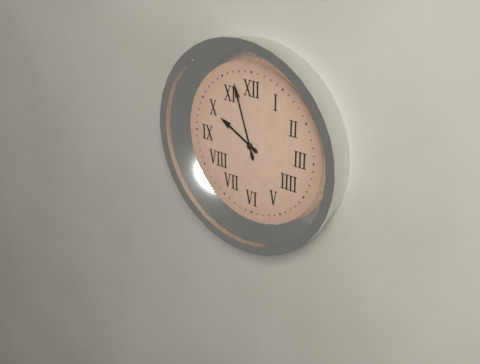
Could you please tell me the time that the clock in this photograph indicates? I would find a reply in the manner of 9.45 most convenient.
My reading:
9.57
